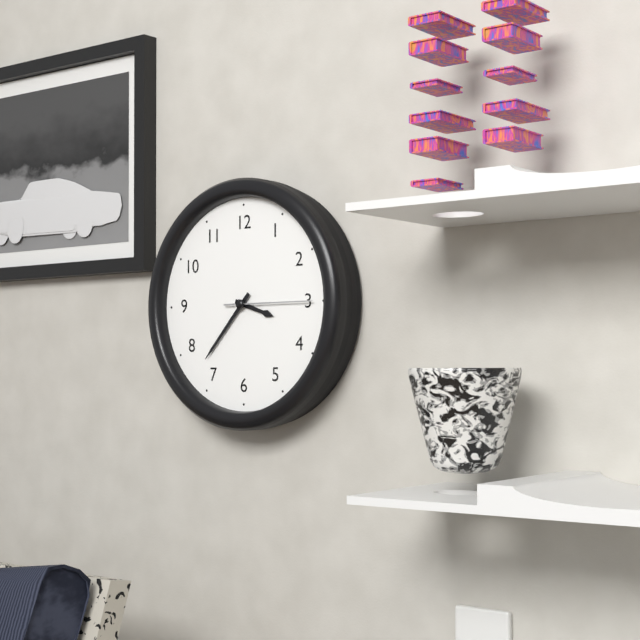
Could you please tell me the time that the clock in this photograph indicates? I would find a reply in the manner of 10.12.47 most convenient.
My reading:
3.37.15
